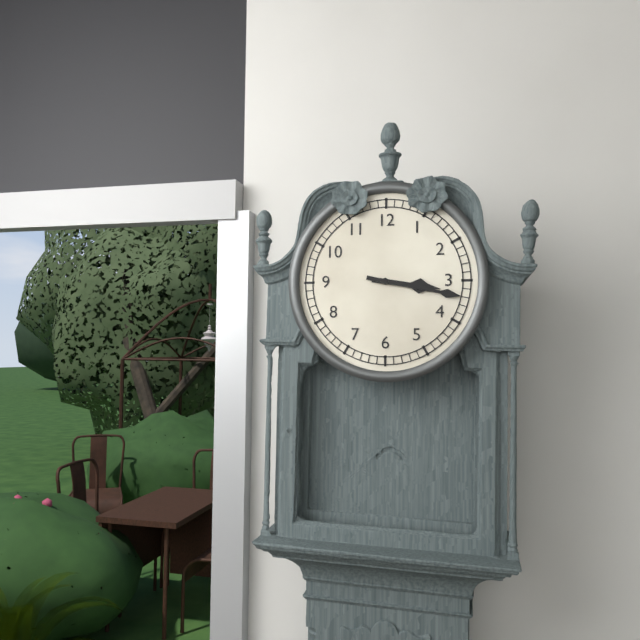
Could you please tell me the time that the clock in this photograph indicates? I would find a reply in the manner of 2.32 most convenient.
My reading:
3.17
